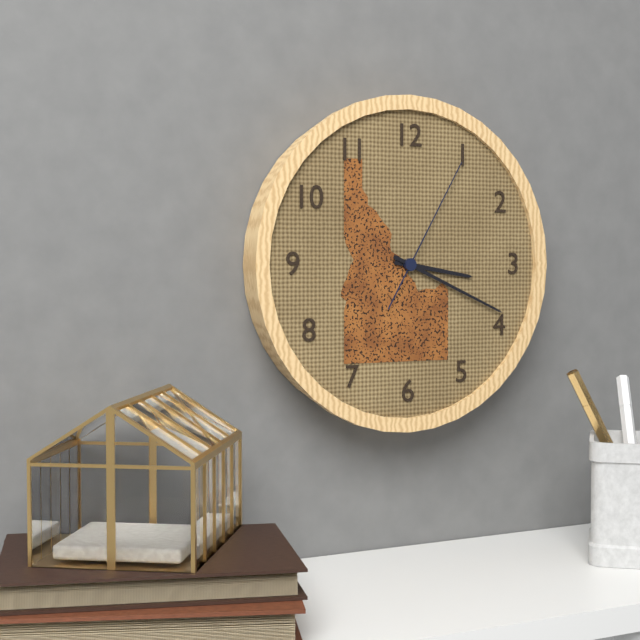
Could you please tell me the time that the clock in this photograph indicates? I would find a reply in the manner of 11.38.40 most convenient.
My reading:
3.19.05
